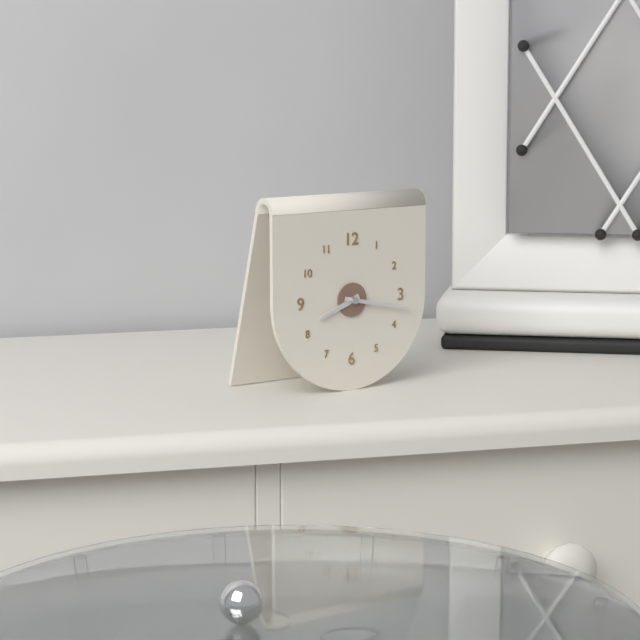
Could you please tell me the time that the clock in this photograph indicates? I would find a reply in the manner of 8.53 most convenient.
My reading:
8.17
